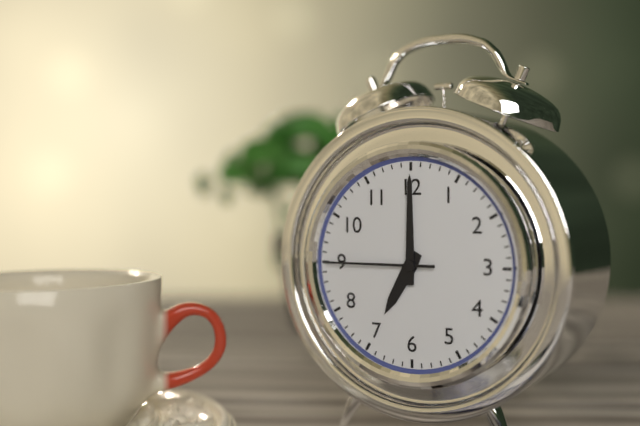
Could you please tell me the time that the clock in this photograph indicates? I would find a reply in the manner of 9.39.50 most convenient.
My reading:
7.00.45
